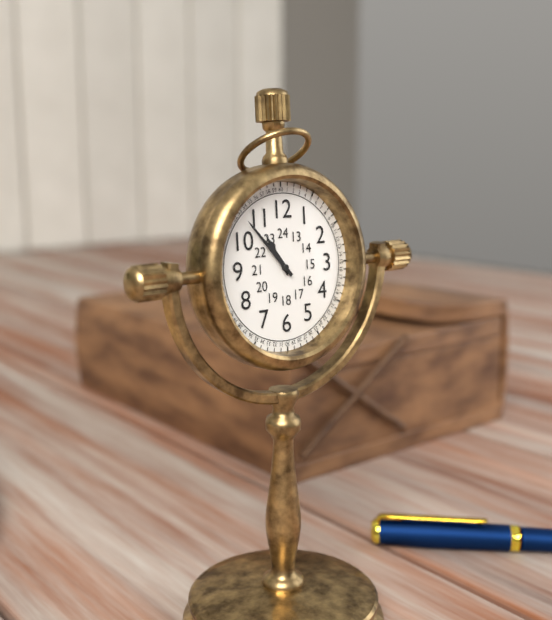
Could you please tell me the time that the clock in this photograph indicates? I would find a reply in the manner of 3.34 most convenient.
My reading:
10.53
